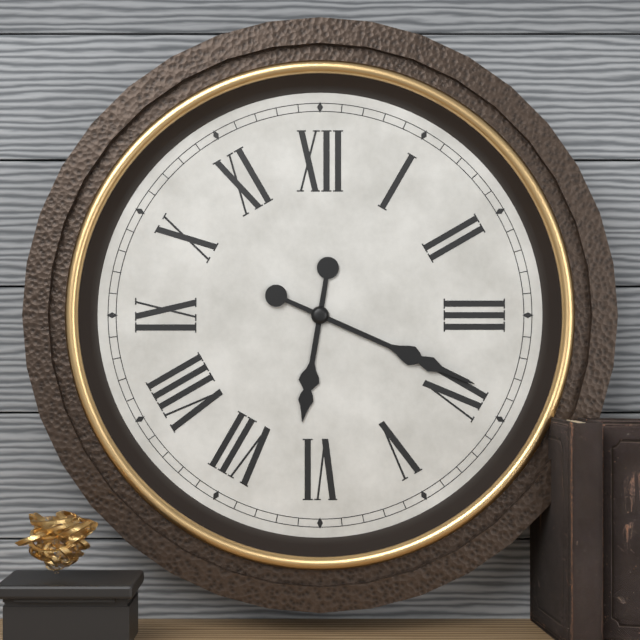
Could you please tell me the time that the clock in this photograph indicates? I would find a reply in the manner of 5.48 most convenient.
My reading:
6.19
